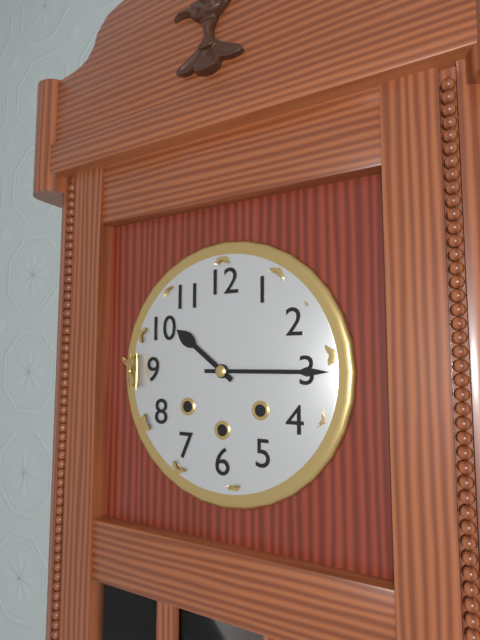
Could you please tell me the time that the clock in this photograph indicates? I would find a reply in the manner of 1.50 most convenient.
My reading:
10.15
